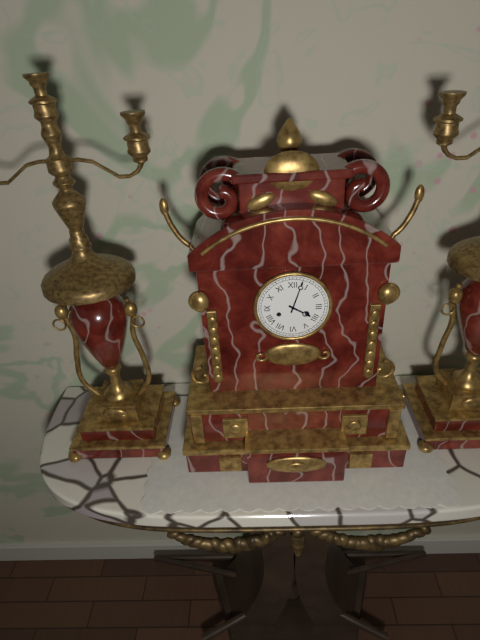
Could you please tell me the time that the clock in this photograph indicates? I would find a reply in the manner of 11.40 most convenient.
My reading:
4.03
